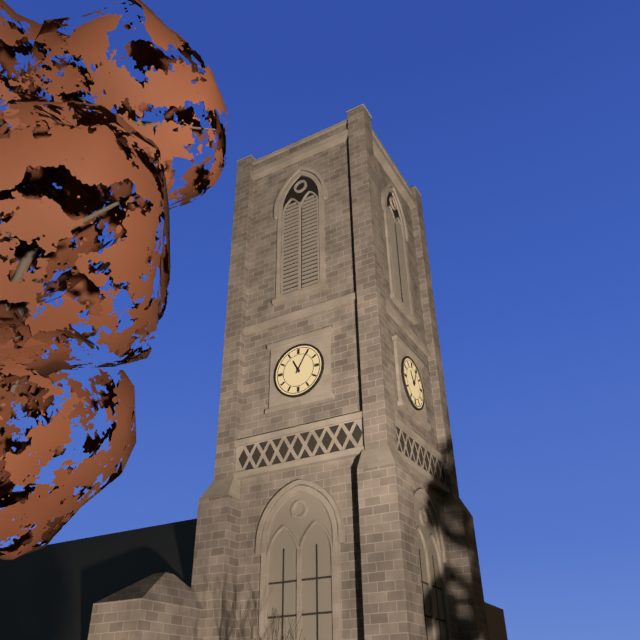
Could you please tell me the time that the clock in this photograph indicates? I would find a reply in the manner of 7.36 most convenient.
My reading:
11.05
